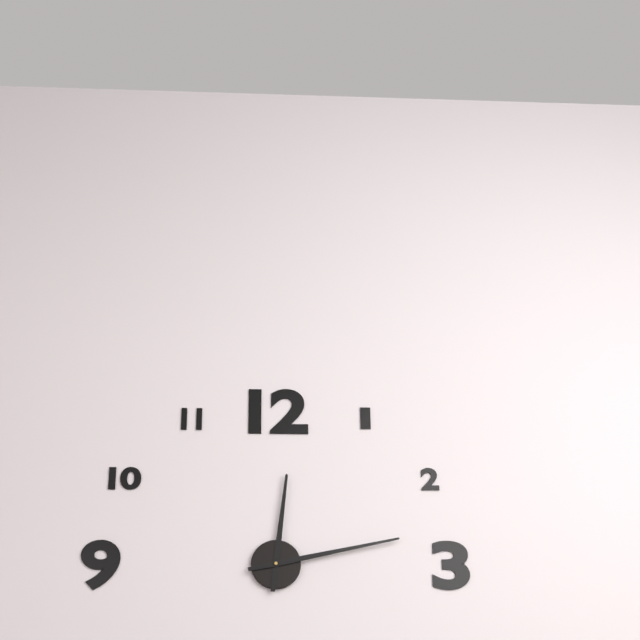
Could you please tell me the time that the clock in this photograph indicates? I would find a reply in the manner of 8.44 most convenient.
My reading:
12.13
